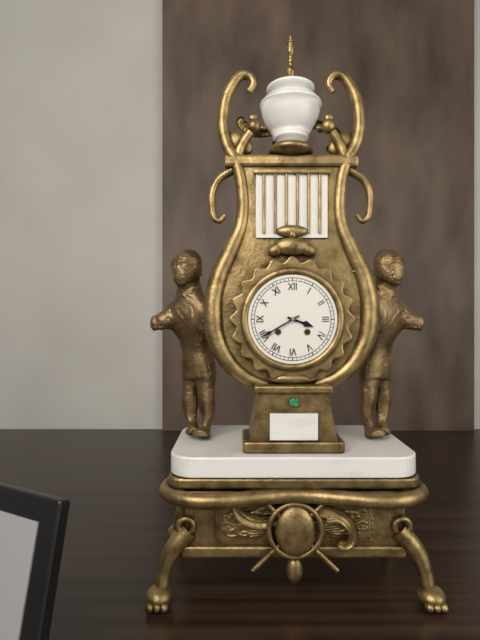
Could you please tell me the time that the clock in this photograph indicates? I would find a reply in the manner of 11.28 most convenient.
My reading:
3.40
